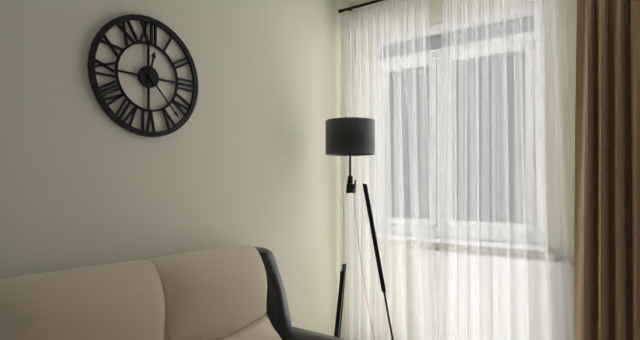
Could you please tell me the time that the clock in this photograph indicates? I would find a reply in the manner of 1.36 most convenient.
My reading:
12.23
